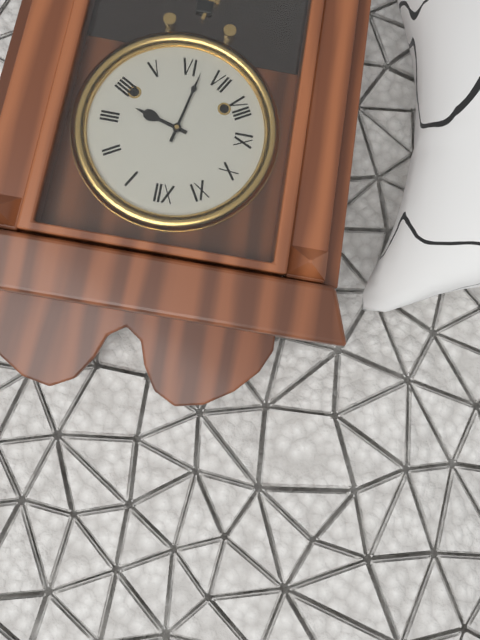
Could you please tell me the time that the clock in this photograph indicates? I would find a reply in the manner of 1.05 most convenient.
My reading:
3.32
